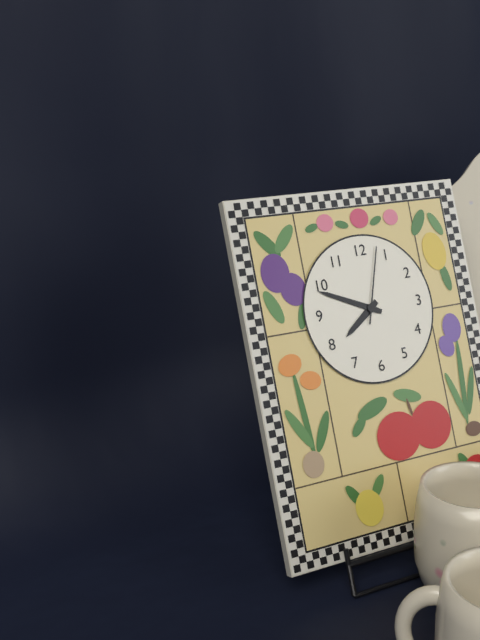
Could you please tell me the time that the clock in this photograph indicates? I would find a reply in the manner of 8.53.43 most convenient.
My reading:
7.49.03
